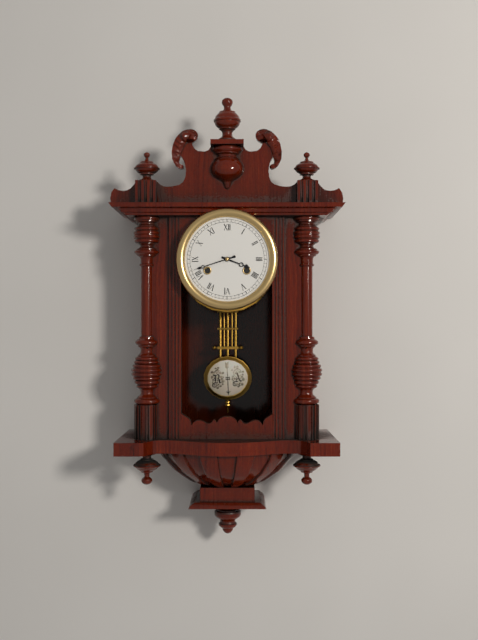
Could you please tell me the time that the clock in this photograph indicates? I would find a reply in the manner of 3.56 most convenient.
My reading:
3.42
